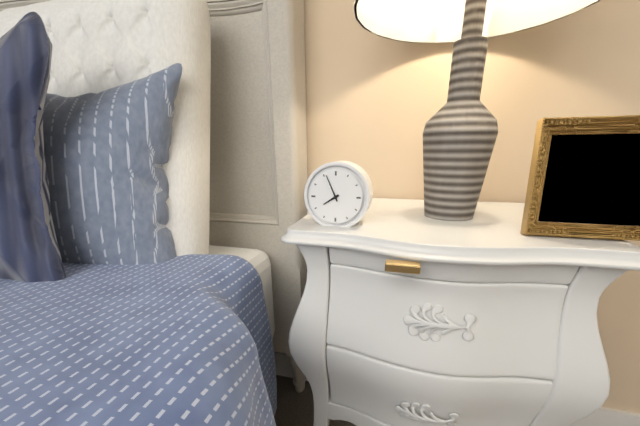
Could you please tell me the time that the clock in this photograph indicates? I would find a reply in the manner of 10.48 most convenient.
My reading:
7.56
